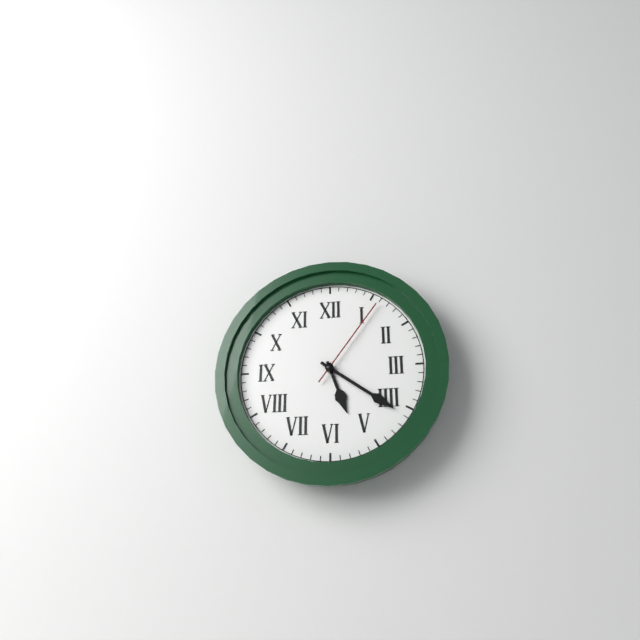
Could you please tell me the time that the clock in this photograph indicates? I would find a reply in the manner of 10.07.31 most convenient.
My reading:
5.21.06
